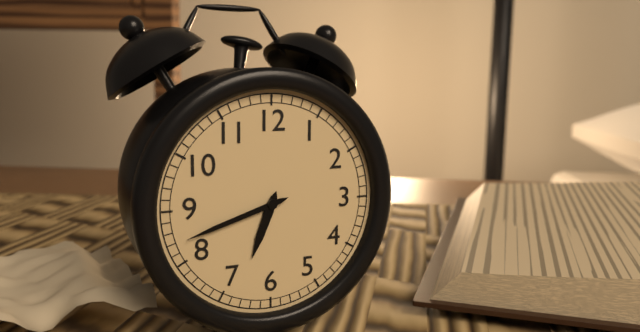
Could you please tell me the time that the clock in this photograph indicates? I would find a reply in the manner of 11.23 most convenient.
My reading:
6.42
